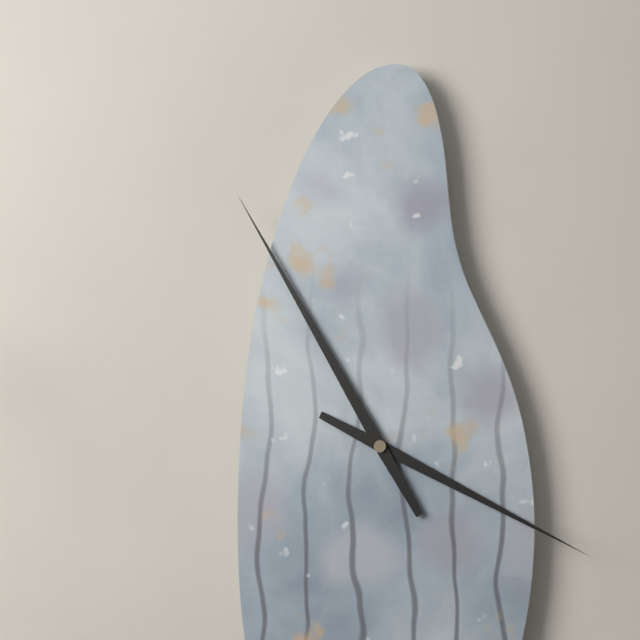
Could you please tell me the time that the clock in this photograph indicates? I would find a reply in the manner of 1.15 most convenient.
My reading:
3.55
